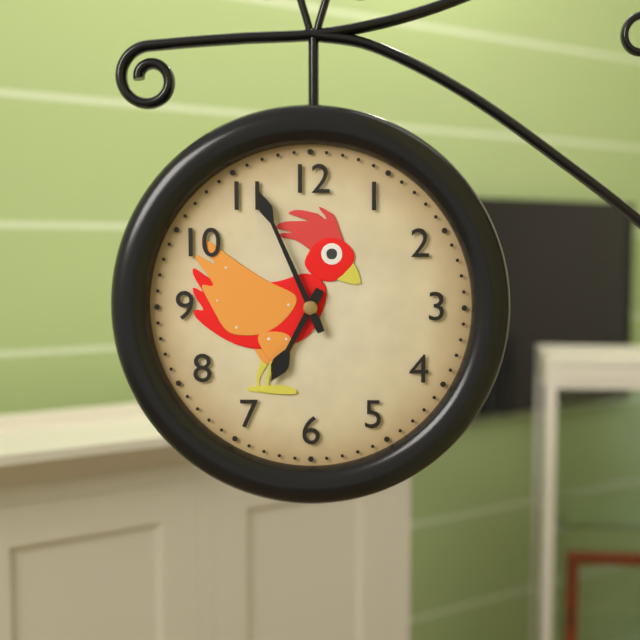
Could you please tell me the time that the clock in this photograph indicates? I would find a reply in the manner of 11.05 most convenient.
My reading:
6.56
